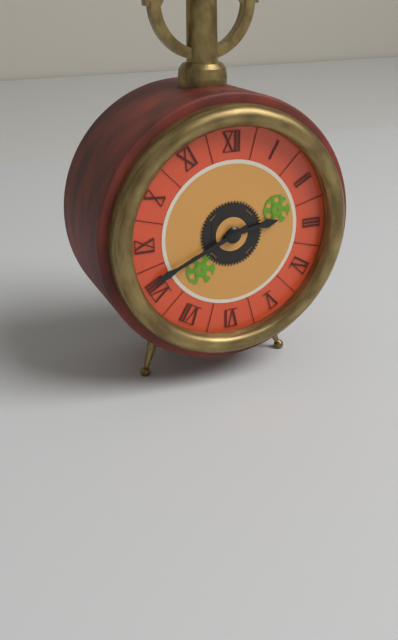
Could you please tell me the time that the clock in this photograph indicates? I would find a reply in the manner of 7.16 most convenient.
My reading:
2.41
